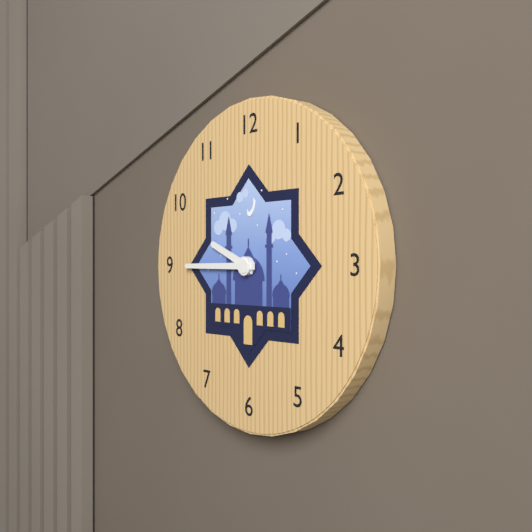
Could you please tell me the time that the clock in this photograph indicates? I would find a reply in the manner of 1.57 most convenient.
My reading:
9.45
